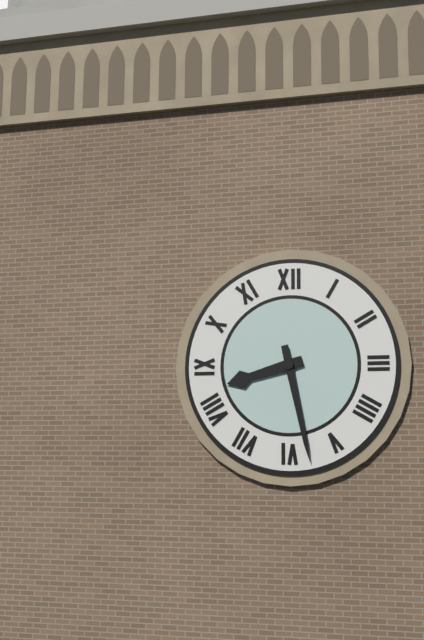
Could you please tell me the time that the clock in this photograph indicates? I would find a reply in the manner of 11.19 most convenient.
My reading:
8.28
